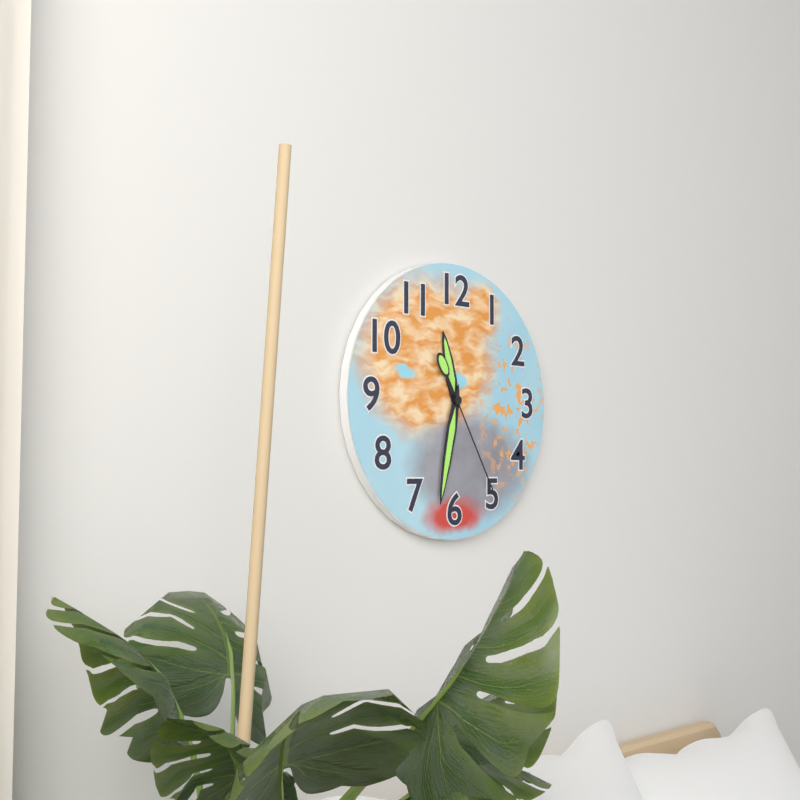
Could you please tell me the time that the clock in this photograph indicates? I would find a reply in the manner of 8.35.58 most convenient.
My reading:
11.32.25
